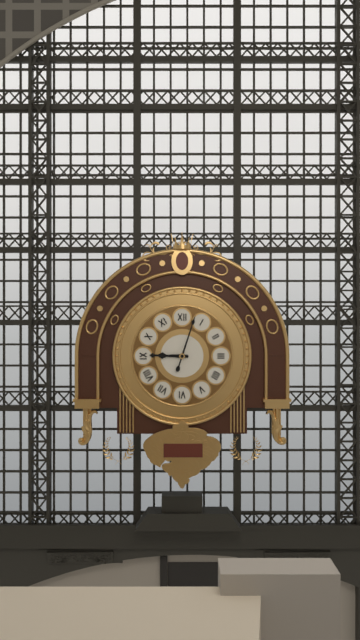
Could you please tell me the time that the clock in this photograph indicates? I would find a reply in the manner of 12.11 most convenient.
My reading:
9.03
